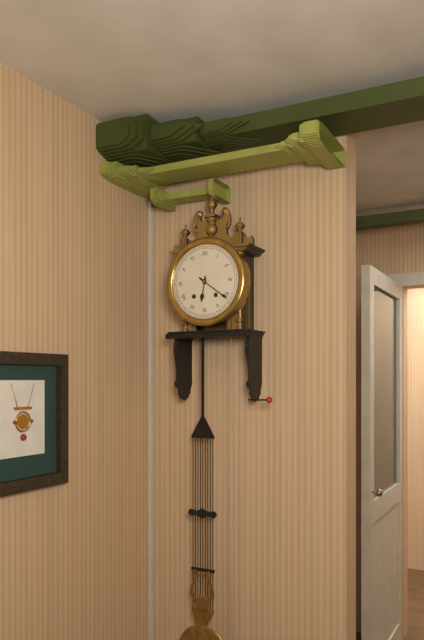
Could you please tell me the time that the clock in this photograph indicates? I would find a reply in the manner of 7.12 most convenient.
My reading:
6.21
